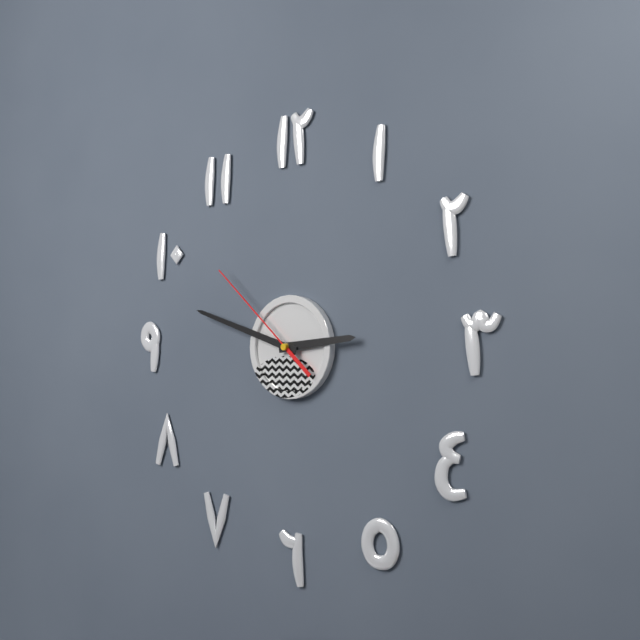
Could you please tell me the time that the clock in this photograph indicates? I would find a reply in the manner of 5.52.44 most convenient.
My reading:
2.48.52
